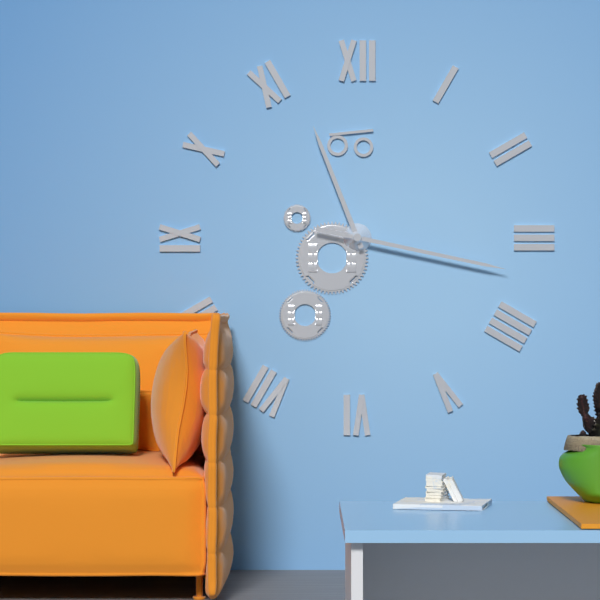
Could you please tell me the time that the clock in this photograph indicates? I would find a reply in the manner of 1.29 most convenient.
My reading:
11.17
